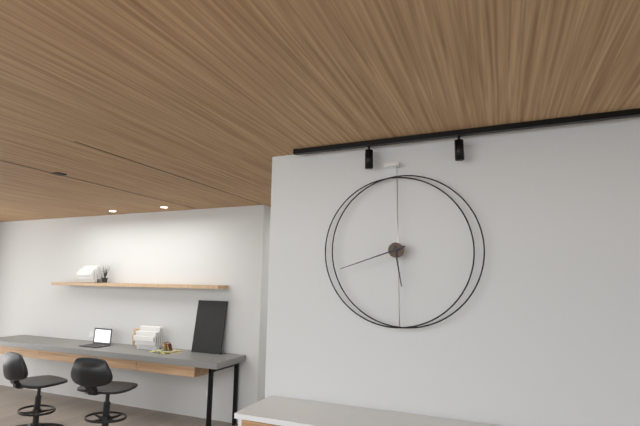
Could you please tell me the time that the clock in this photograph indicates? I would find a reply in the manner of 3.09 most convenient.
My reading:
5.42
